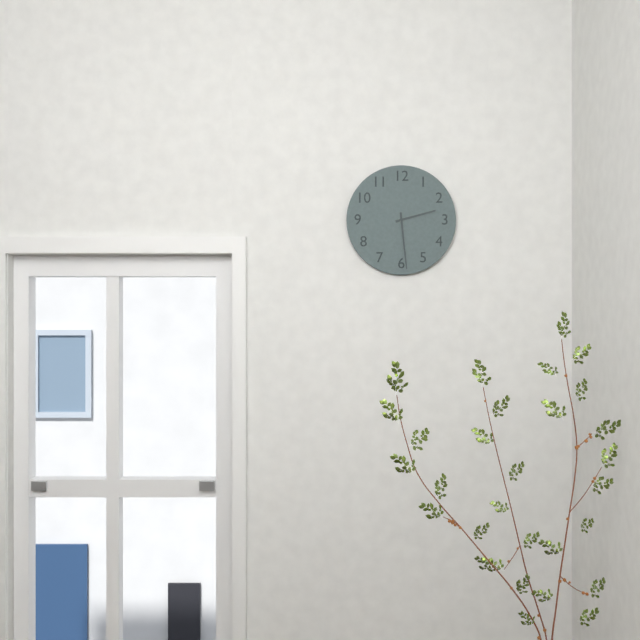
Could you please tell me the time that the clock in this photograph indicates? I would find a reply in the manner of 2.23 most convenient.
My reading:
2.29
